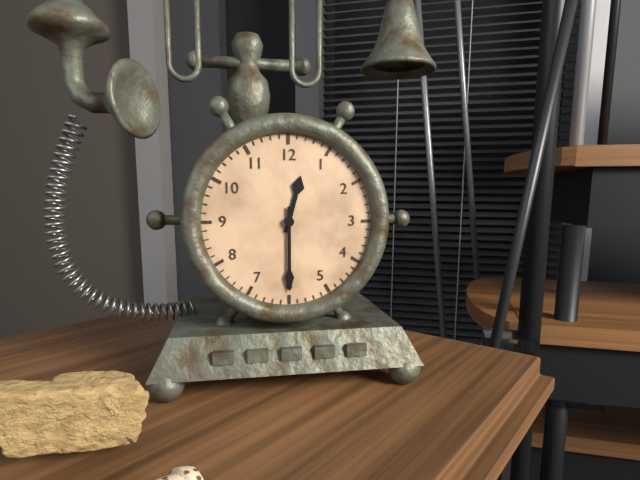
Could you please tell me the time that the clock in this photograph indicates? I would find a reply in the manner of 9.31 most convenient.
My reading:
12.30
